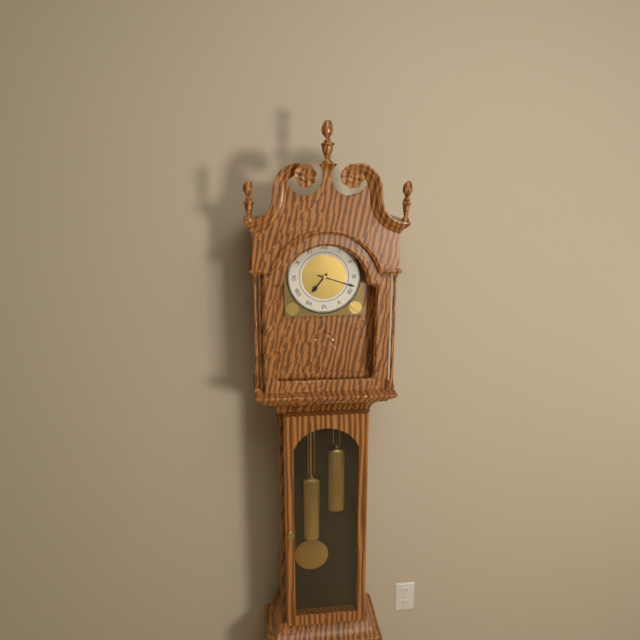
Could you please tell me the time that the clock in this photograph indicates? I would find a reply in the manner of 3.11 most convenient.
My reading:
7.18
